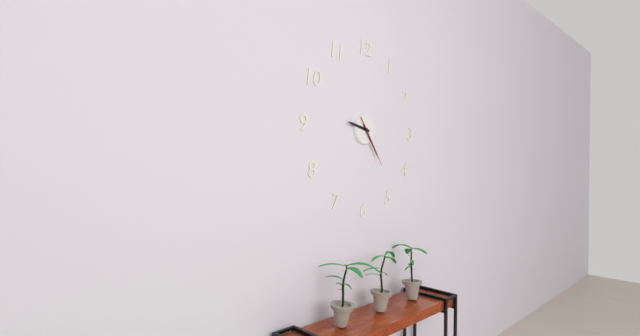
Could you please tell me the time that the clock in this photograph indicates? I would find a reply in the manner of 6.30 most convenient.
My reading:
9.24
